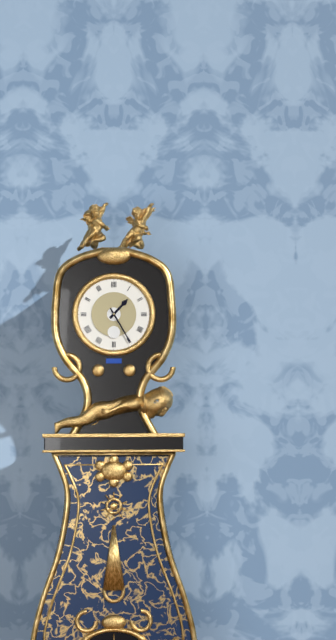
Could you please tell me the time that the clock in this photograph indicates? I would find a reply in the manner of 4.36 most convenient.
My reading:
1.25
